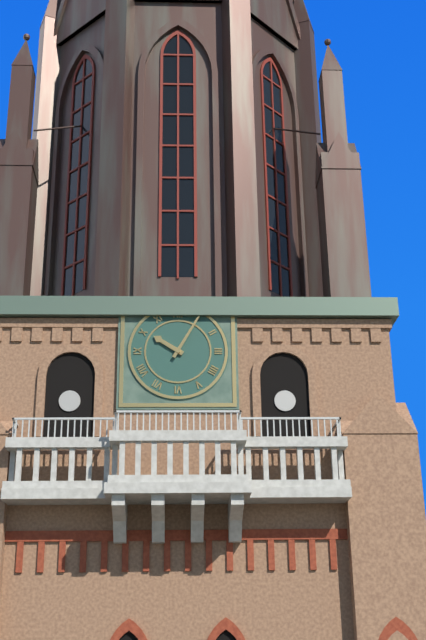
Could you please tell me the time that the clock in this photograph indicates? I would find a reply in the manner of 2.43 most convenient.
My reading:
10.05
